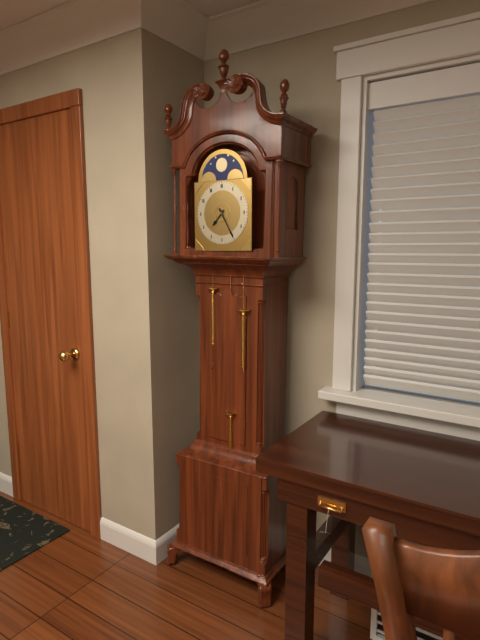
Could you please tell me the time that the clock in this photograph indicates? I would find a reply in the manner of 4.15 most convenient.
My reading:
7.25
